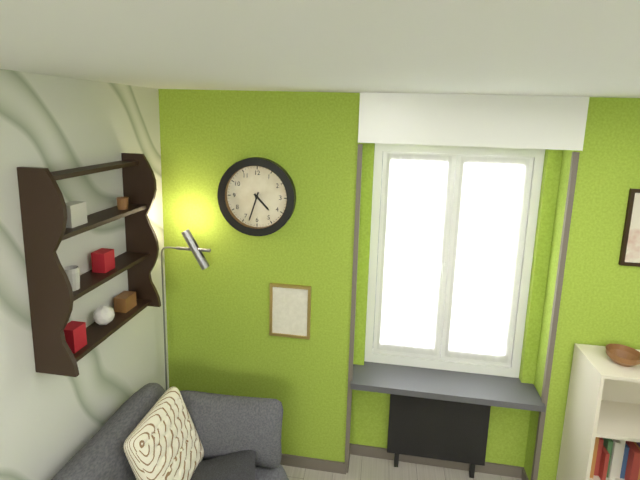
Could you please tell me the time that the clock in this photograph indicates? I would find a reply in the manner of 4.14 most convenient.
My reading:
4.33
